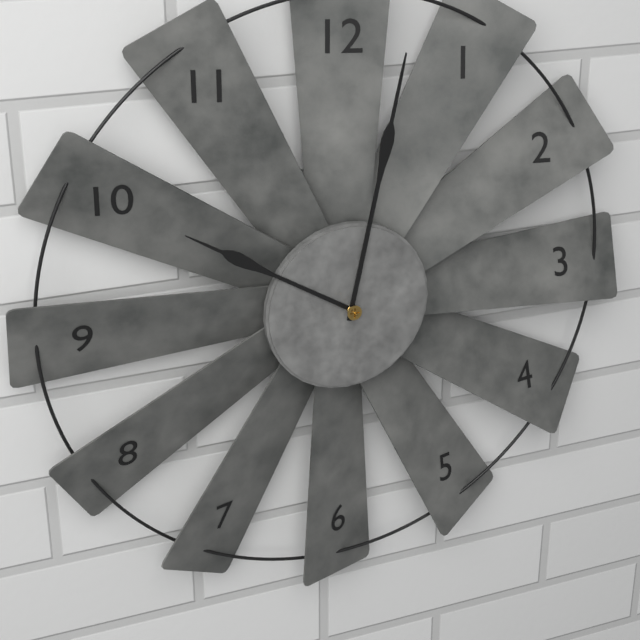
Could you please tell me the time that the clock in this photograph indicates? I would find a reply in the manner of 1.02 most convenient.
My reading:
10.02
